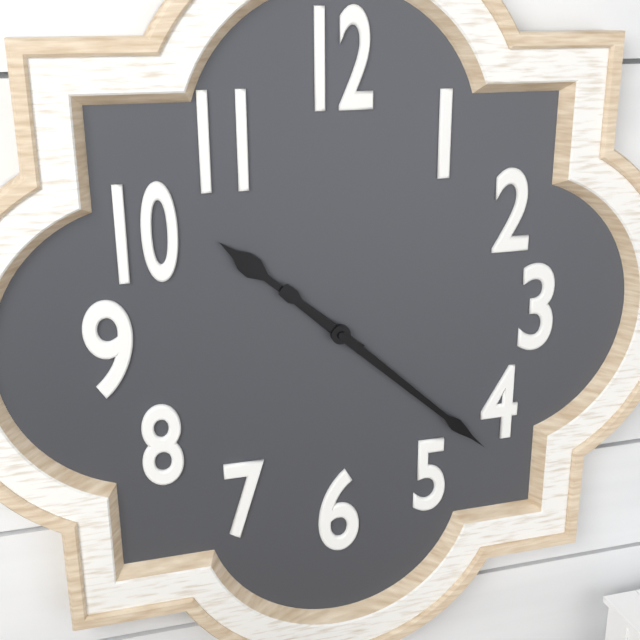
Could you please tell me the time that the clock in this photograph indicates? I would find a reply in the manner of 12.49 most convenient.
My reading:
10.22
